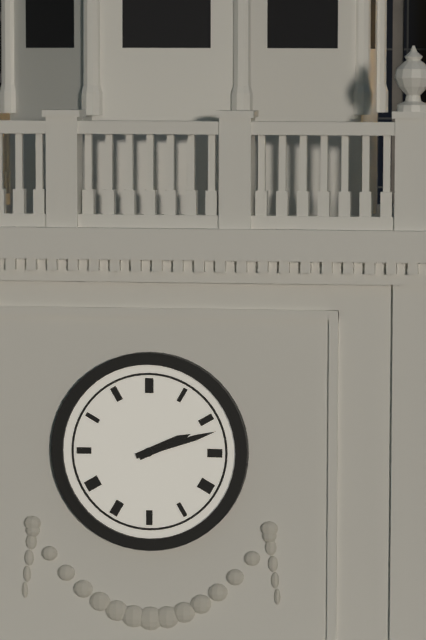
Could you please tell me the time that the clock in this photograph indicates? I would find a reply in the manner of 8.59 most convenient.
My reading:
2.12
